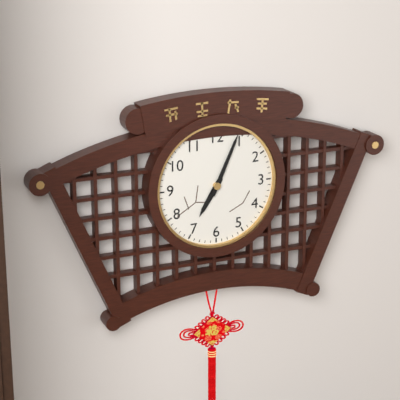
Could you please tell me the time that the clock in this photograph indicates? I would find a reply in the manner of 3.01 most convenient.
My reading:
7.04
